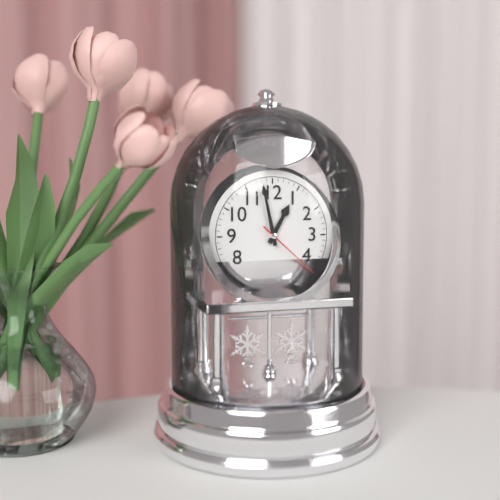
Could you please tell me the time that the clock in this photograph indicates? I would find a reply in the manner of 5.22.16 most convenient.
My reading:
12.58.22
